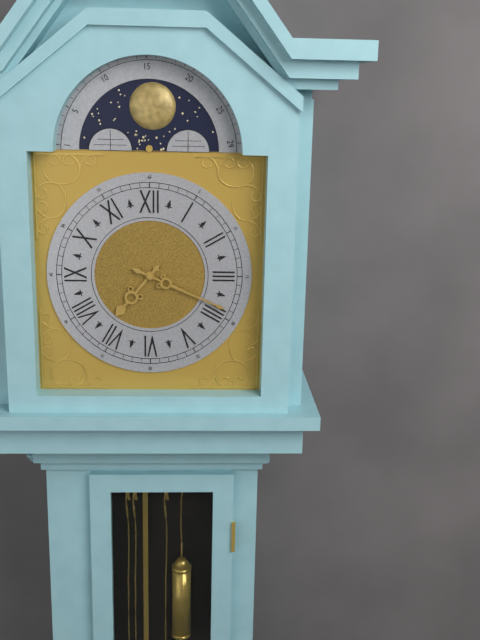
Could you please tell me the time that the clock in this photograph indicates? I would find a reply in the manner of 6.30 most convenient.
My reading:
7.19
